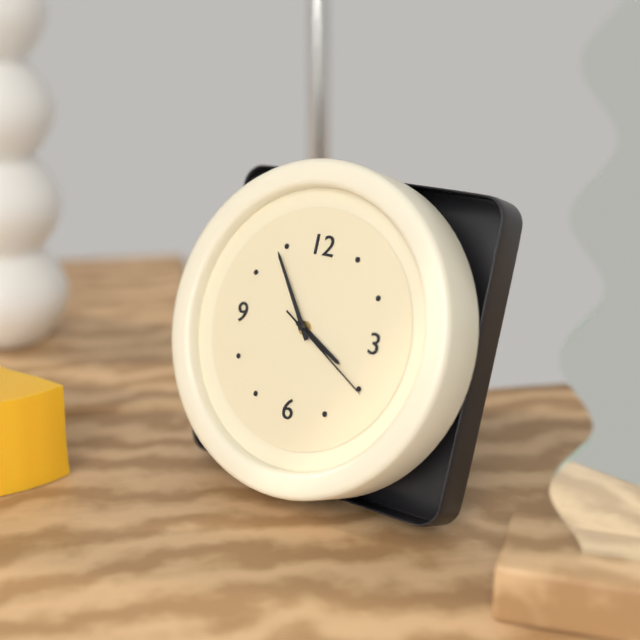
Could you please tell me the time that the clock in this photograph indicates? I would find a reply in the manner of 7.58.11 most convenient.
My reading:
3.54.20
